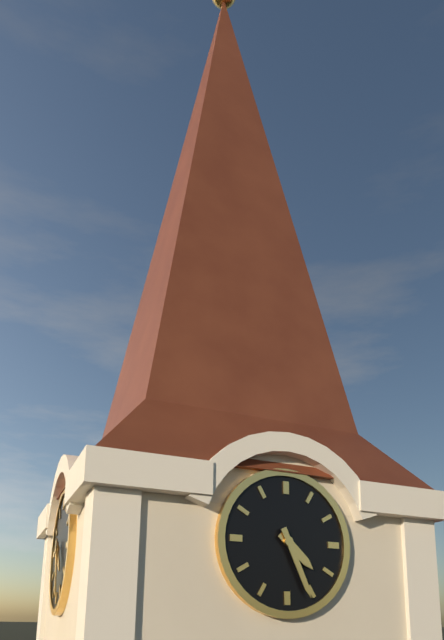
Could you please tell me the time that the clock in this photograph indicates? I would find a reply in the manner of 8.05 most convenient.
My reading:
4.26
